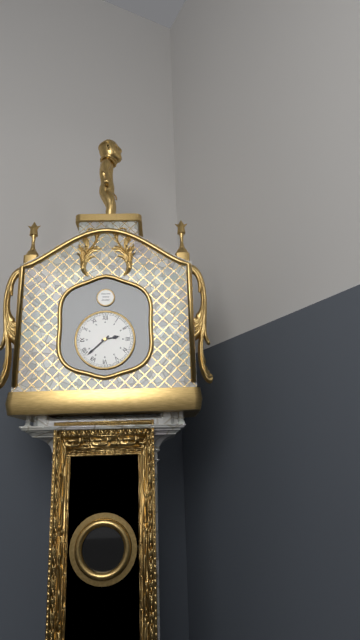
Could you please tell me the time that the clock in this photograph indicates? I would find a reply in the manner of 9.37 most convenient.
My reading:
2.38
